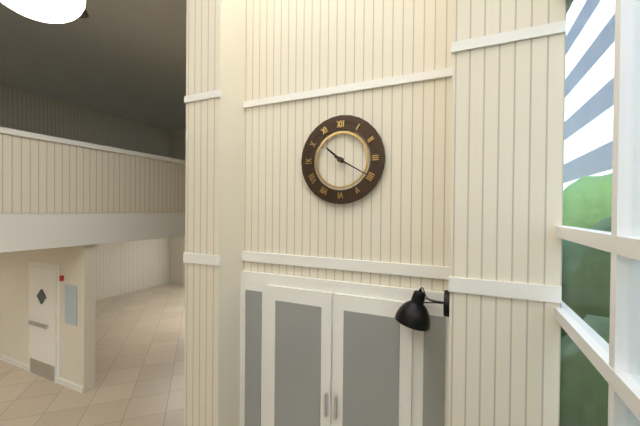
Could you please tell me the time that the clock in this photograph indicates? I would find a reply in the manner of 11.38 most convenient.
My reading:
10.20
